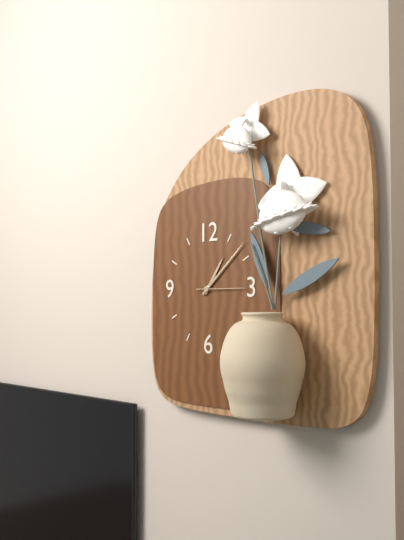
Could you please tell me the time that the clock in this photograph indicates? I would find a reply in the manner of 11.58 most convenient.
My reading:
1.08
